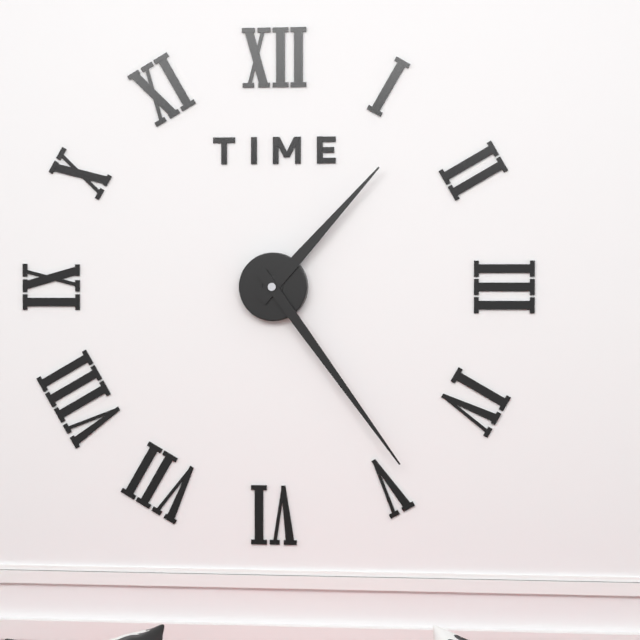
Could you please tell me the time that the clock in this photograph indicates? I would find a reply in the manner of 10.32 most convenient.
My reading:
1.24
